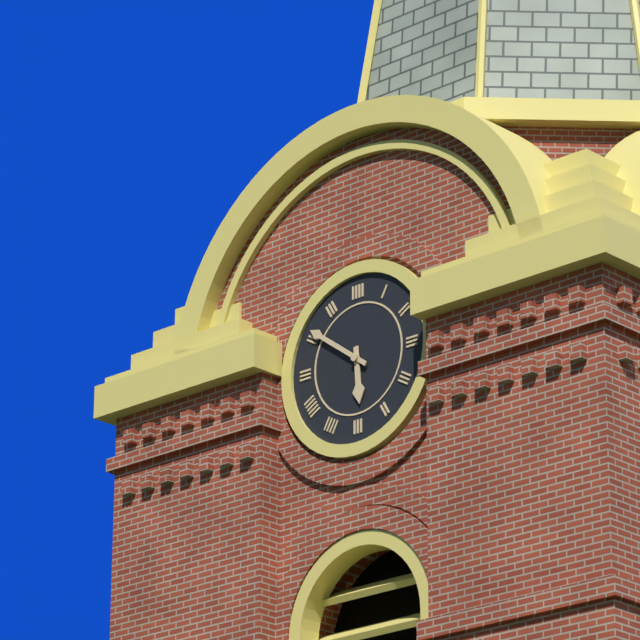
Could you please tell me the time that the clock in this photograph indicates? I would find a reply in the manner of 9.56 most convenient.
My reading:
5.51
